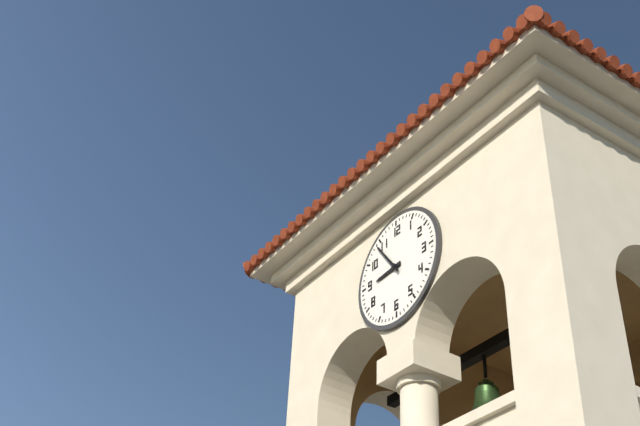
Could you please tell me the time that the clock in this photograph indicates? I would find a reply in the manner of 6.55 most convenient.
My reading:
8.54
